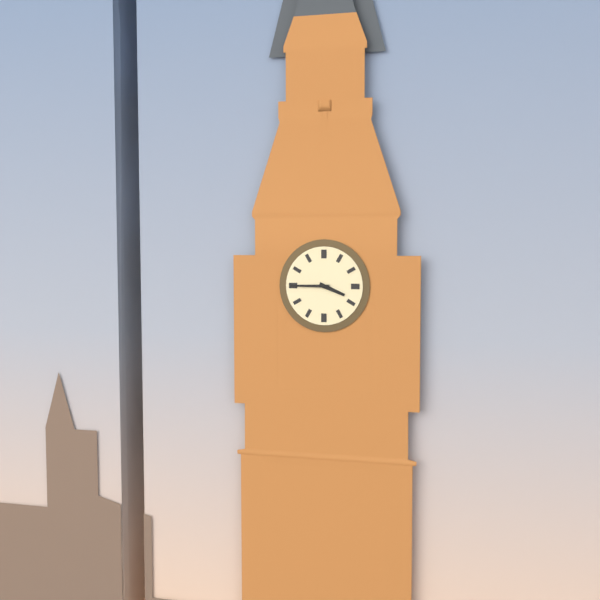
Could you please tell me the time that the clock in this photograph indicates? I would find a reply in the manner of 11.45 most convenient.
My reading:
3.45
